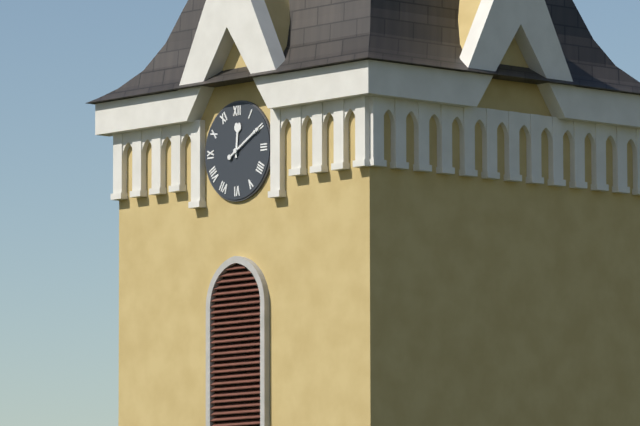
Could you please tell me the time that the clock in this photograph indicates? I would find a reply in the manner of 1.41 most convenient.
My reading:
12.10
